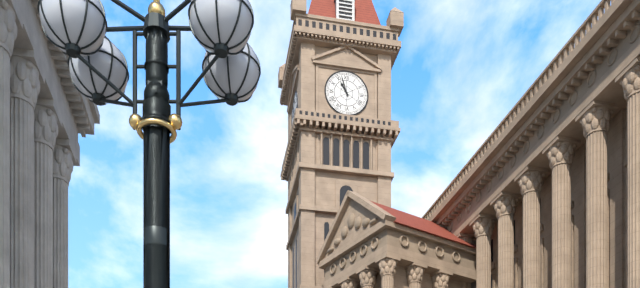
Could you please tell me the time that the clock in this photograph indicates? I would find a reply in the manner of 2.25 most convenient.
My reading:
10.57
